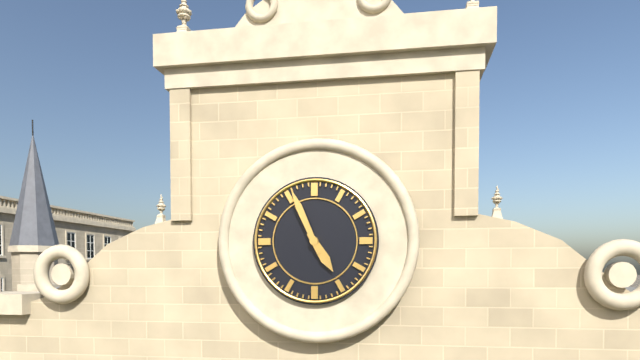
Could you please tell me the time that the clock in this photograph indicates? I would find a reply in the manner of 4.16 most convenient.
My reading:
4.56
